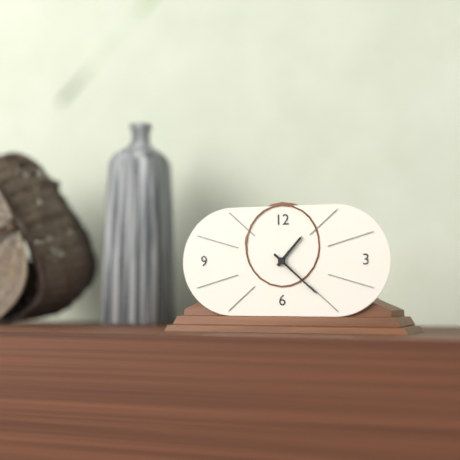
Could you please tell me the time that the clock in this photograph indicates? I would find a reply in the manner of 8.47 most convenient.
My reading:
1.22
